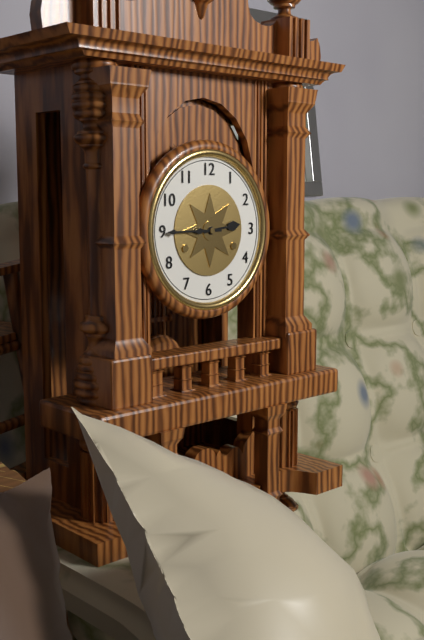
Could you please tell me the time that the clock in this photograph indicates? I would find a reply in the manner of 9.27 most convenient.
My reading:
2.45
